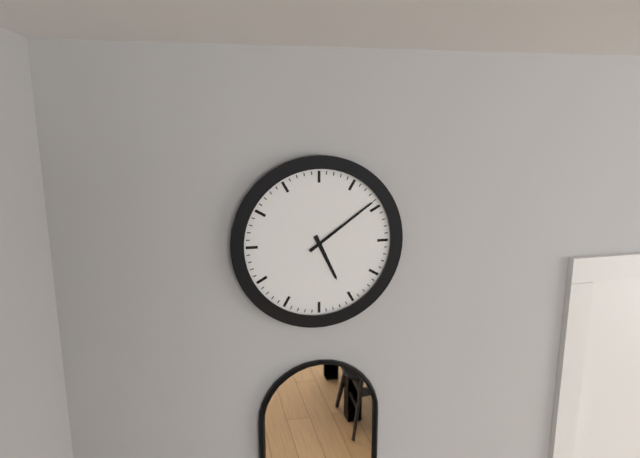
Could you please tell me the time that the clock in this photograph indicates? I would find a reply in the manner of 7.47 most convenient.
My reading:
5.09
